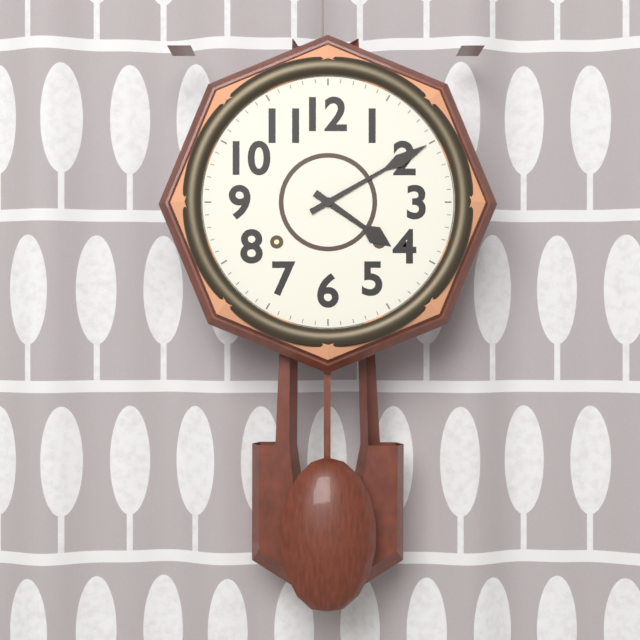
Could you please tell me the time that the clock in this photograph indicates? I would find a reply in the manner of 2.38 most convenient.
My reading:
4.10
